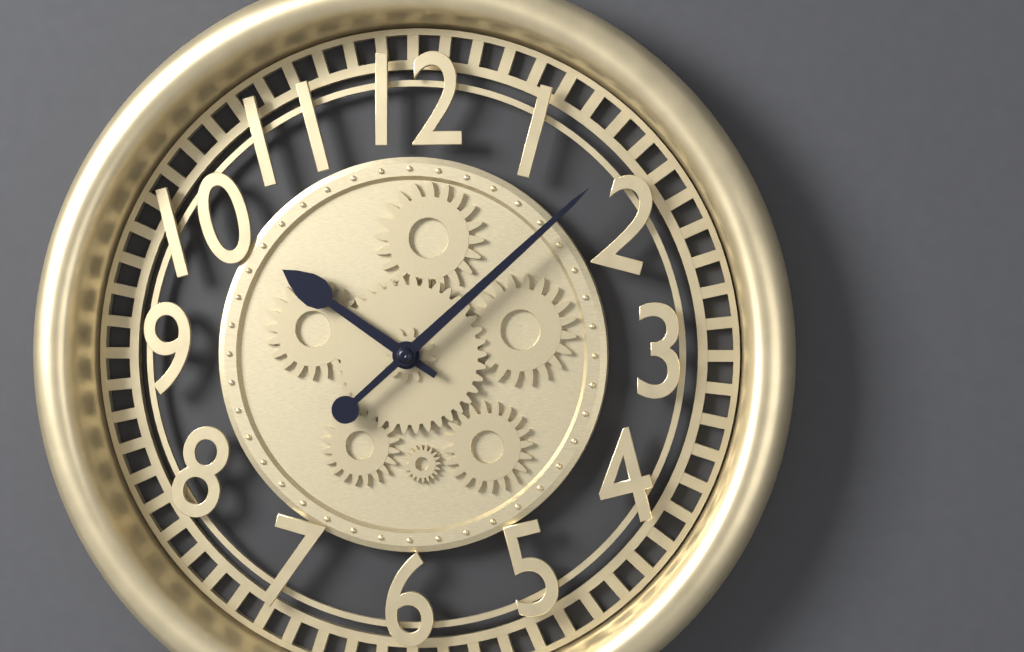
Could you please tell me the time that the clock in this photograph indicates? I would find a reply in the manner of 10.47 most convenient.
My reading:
10.08
